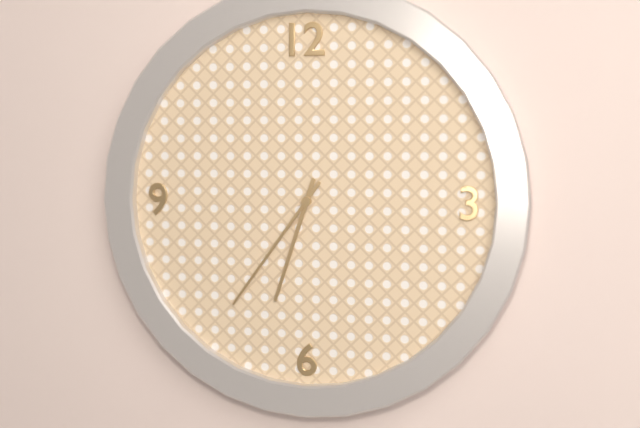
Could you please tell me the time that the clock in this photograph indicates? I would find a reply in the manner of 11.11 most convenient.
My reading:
6.36
